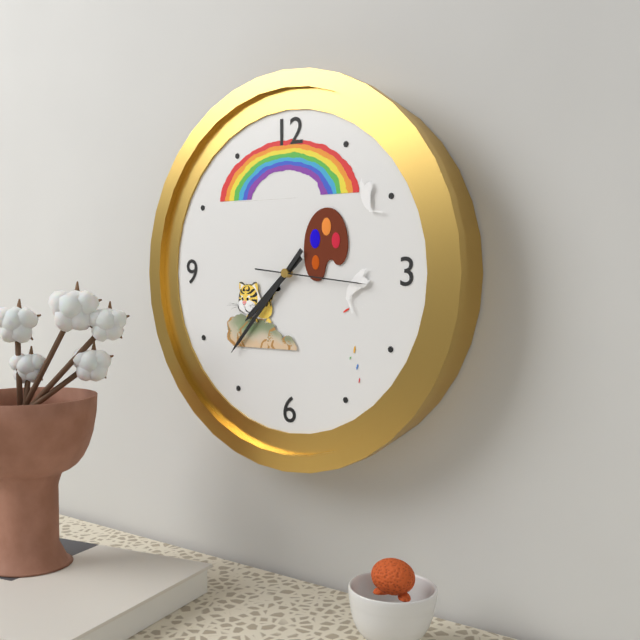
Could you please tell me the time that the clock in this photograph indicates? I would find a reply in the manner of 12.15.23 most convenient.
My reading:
7.37.16
